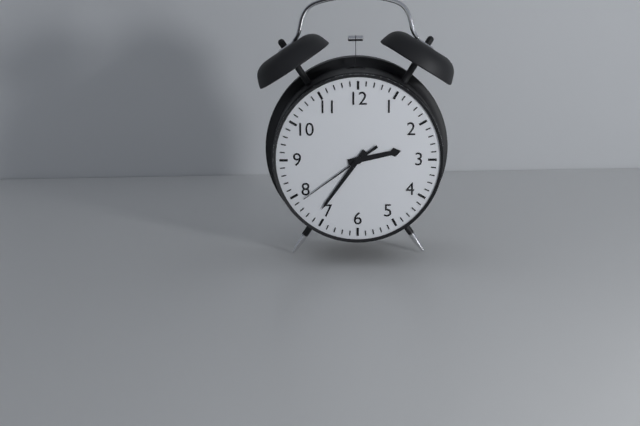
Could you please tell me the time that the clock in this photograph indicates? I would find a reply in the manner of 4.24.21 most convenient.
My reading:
2.36.39
